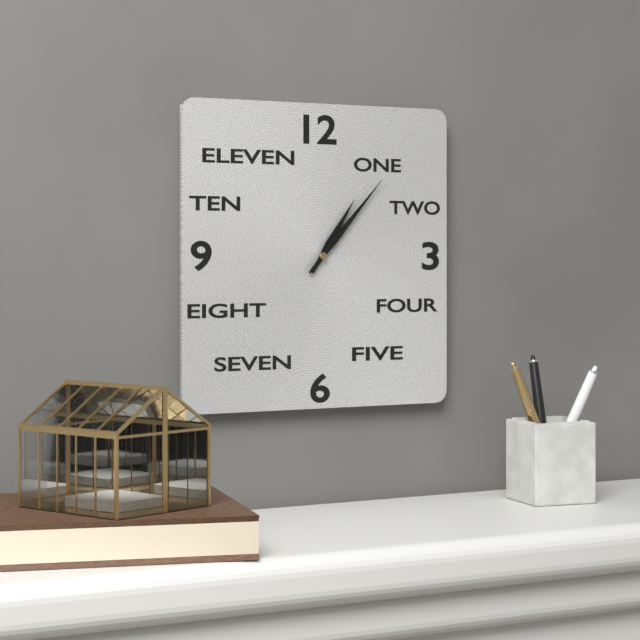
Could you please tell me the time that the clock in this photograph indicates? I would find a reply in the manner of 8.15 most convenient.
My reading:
1.07
